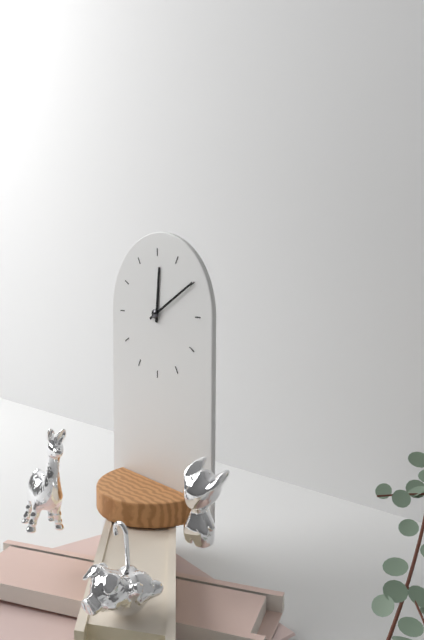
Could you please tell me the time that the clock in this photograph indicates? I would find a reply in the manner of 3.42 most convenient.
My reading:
12.10
